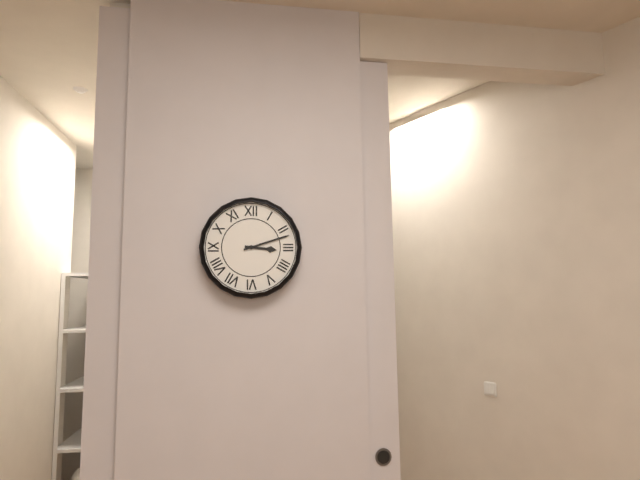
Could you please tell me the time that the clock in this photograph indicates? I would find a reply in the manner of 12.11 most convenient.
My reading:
3.12
